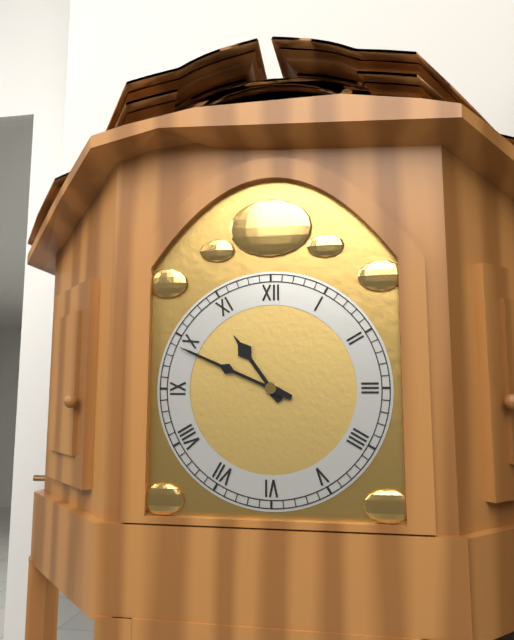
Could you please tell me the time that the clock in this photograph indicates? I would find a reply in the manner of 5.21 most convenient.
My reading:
10.49
